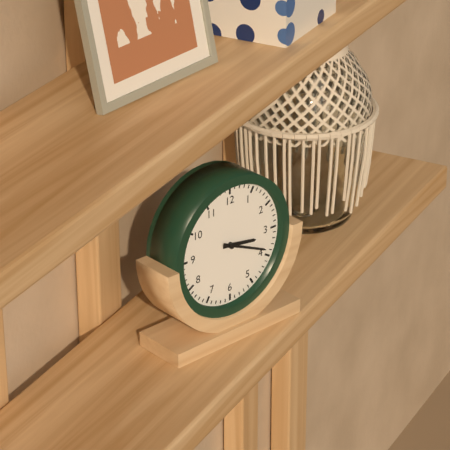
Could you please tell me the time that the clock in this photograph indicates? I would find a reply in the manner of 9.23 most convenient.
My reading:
3.19
